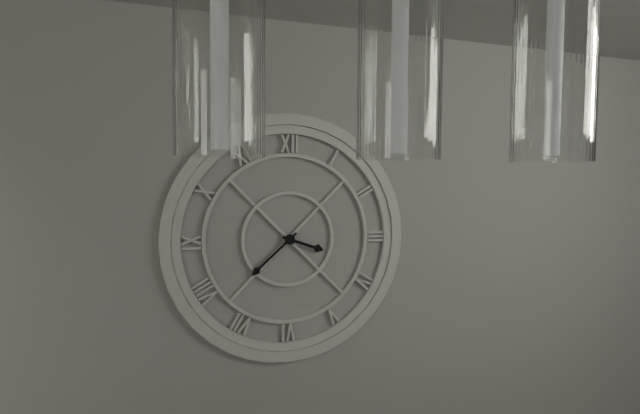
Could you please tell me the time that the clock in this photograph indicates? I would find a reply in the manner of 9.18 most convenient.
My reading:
3.38
